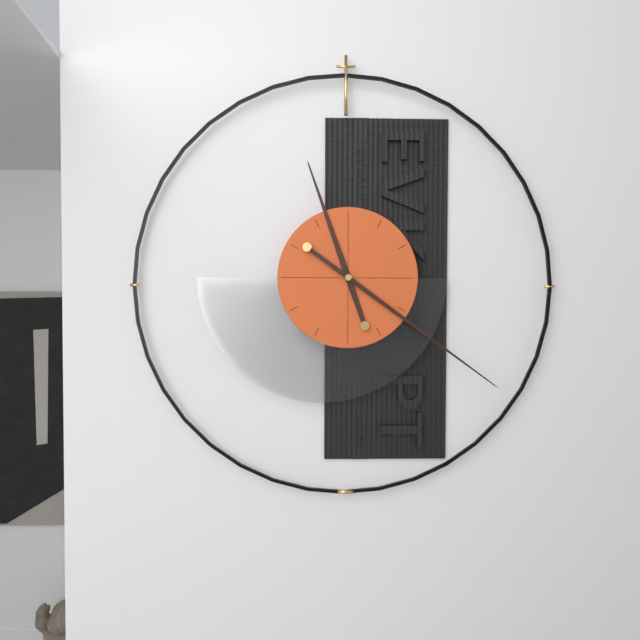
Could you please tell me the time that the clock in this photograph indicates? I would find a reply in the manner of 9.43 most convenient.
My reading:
11.21
